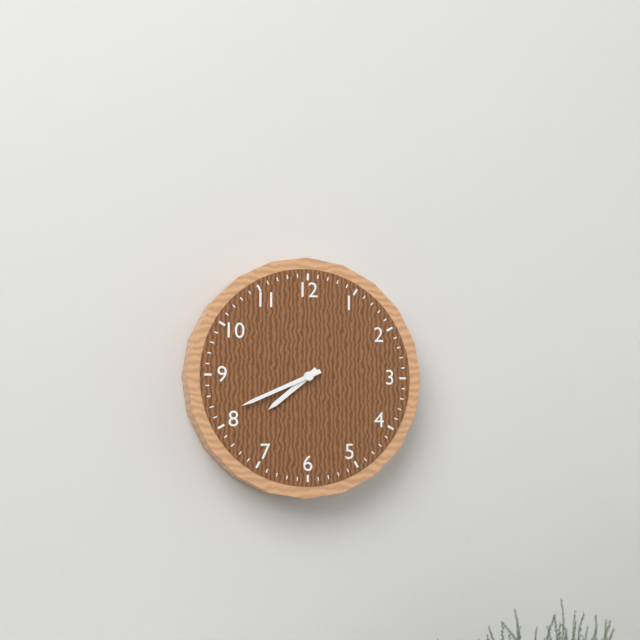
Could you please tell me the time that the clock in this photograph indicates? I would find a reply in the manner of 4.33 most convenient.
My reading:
7.41
